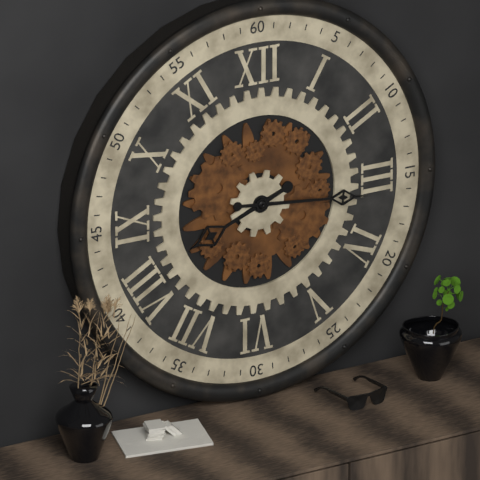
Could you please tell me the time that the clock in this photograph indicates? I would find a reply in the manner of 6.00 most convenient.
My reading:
8.16
